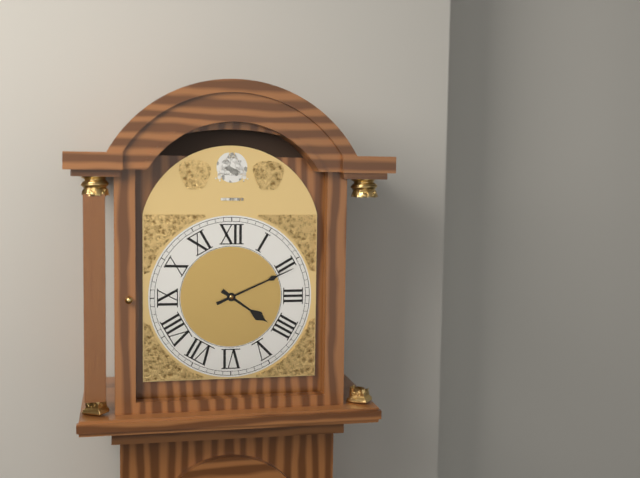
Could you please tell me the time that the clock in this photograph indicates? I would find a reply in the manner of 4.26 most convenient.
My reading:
4.11
